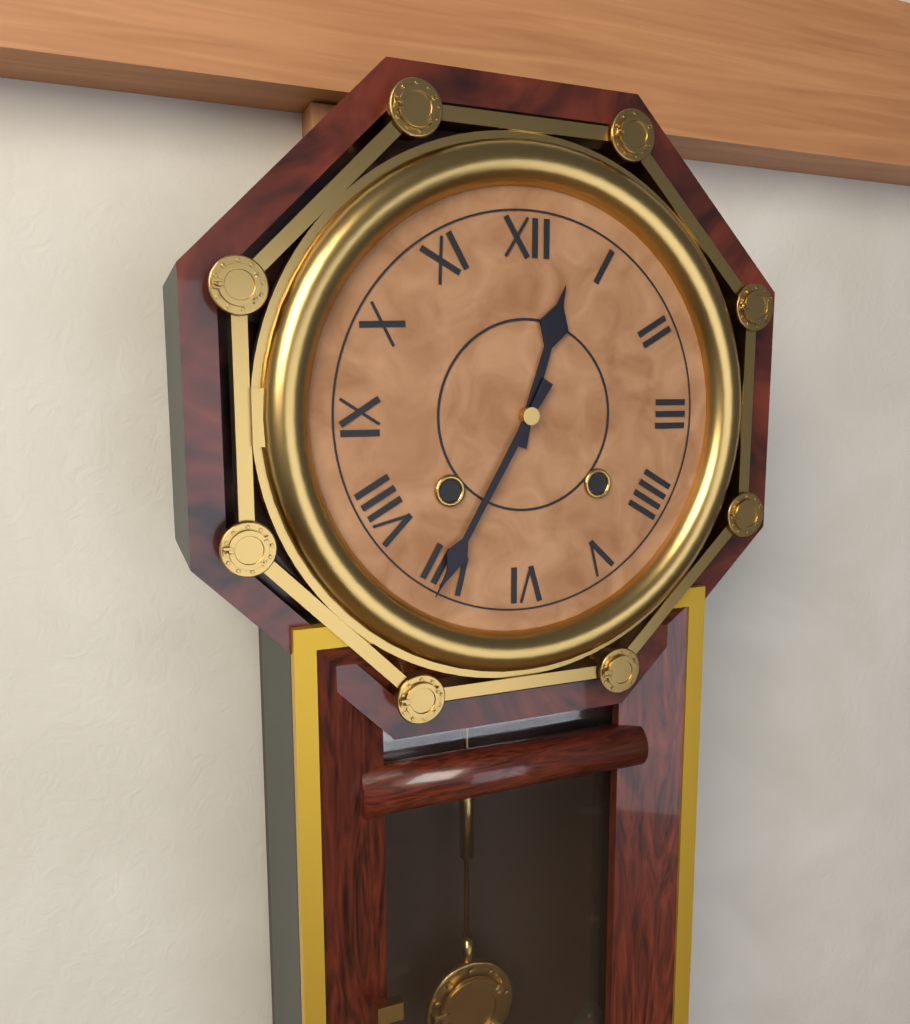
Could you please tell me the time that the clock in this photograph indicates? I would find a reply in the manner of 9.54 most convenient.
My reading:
12.35
